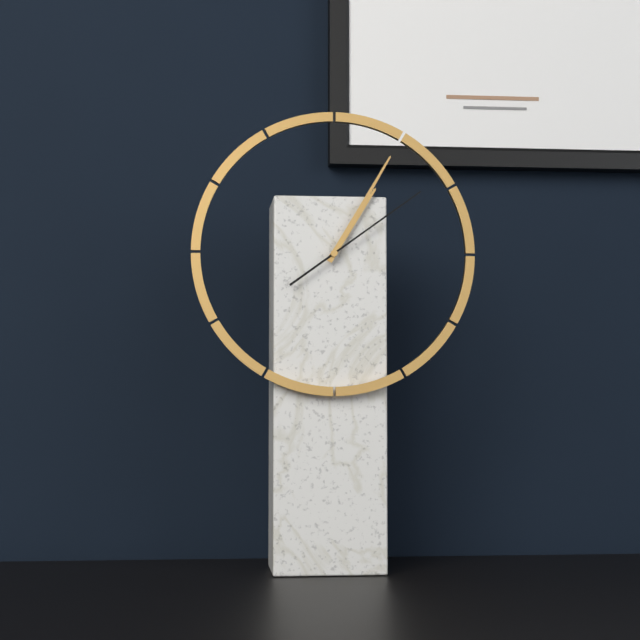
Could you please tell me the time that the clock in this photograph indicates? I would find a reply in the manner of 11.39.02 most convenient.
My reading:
1.05.09
